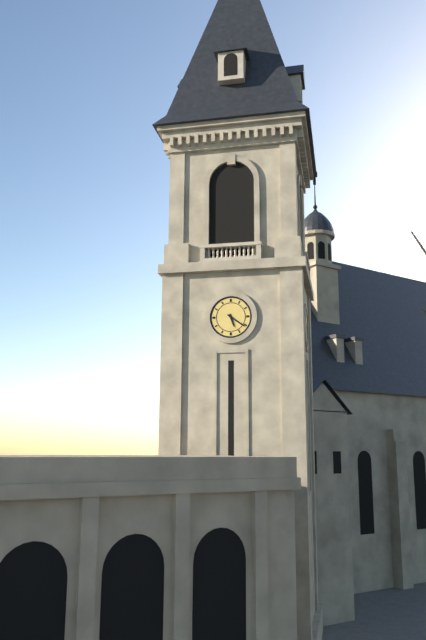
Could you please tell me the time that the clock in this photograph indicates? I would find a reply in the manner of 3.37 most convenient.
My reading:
5.21
